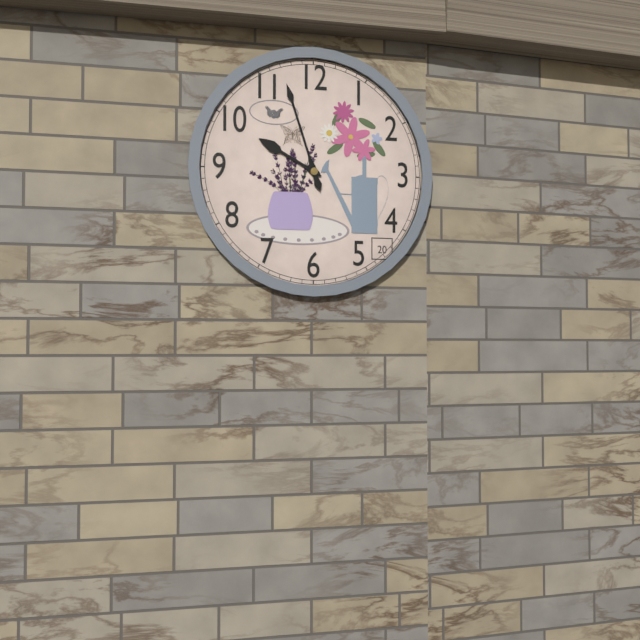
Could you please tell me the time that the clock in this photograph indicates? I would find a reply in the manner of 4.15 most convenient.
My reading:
9.57
